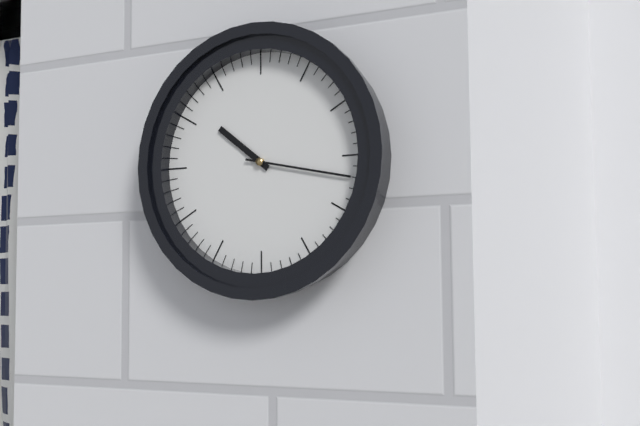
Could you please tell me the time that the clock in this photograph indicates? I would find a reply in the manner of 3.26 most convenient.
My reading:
10.17
